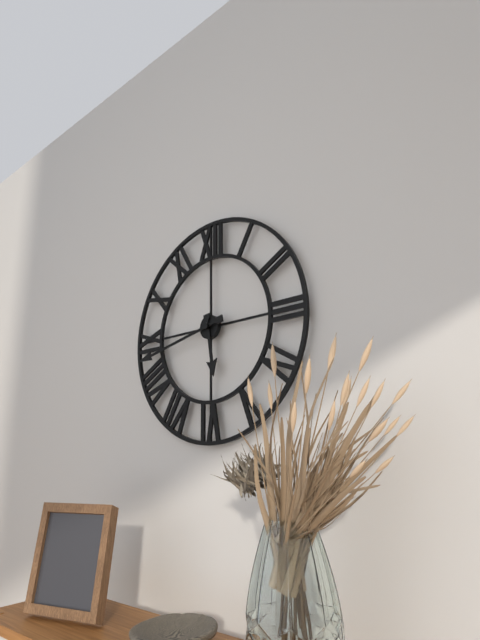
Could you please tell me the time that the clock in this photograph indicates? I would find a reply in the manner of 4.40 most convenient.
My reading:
5.43
